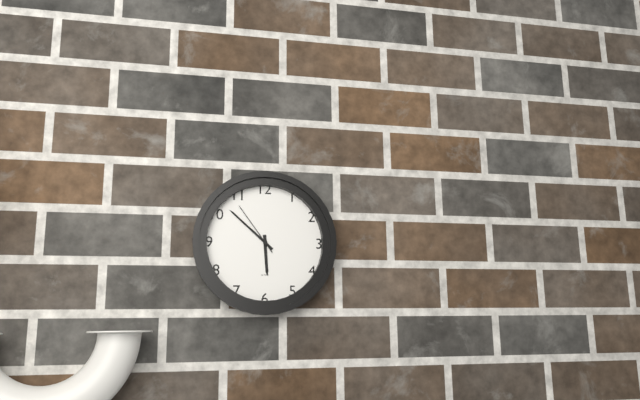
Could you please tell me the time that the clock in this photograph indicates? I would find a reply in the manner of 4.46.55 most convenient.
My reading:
5.52.54
